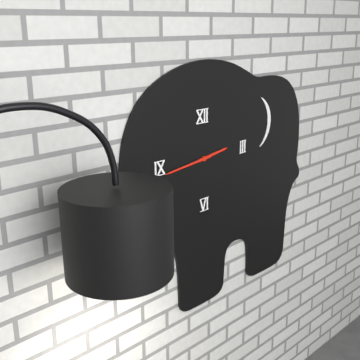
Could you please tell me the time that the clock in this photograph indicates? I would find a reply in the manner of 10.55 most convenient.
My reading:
2.44
